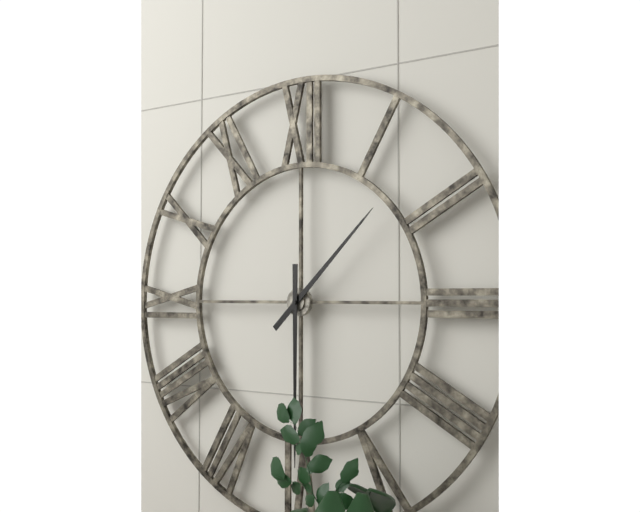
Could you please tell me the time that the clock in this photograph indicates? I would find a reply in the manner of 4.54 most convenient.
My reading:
1.30
